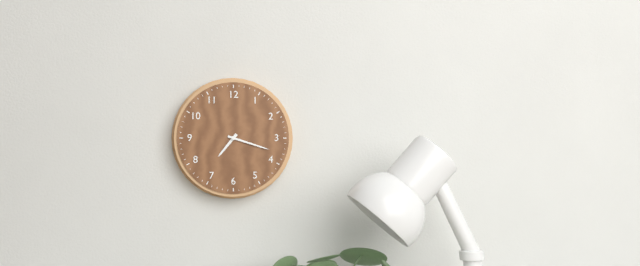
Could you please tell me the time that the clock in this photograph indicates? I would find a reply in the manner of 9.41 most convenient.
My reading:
7.18
